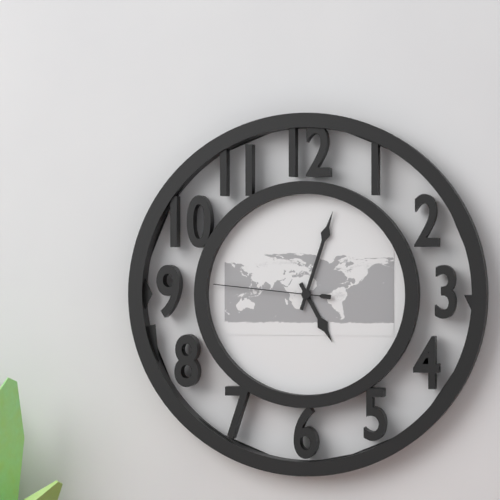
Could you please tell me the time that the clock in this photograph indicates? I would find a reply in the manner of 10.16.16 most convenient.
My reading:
5.03.46
